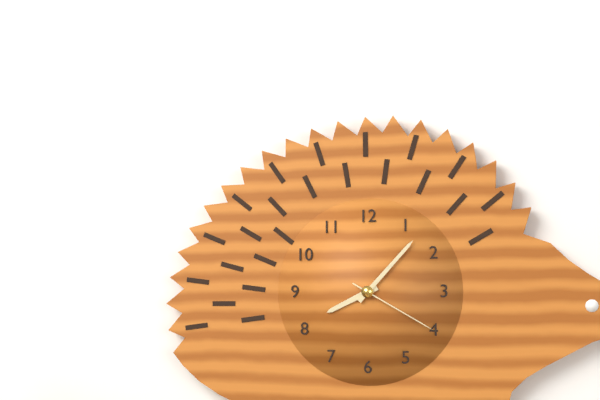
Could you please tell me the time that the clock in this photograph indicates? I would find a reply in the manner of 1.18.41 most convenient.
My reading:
8.07.20
